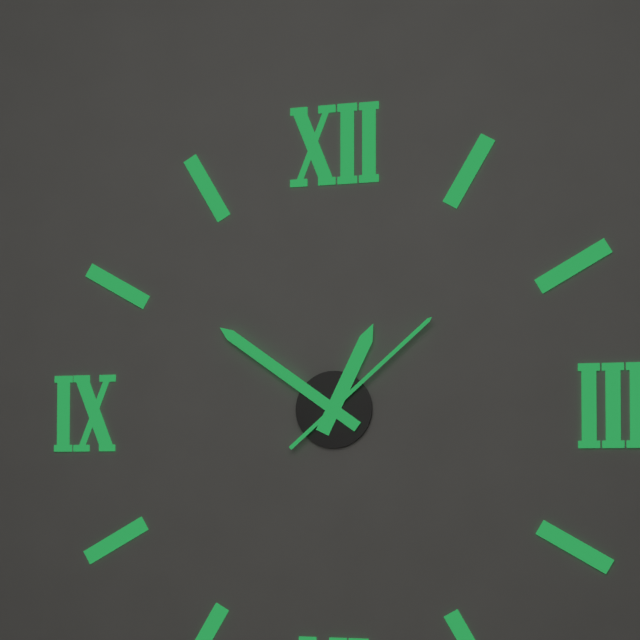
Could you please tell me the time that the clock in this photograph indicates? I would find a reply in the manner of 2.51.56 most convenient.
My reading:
12.51.08
